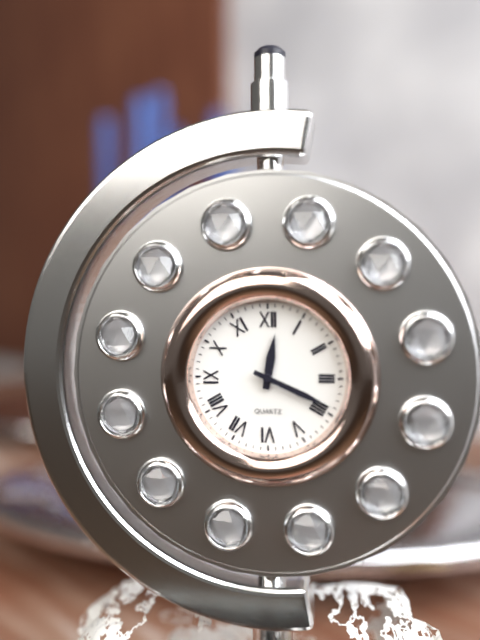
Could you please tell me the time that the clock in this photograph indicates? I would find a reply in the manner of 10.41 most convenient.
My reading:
12.19
